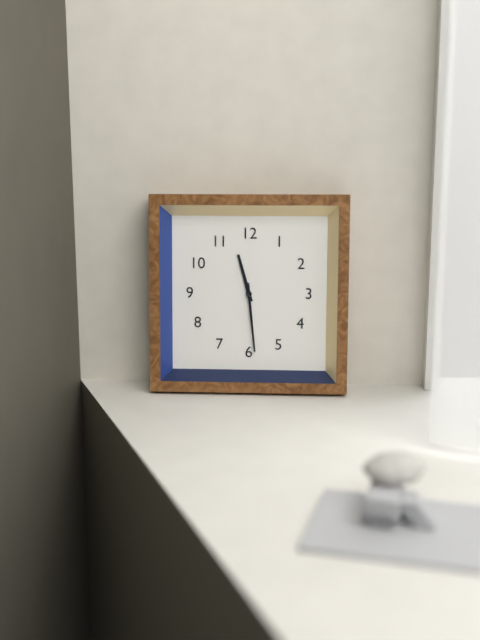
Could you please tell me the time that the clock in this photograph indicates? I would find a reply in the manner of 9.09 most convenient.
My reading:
11.29
